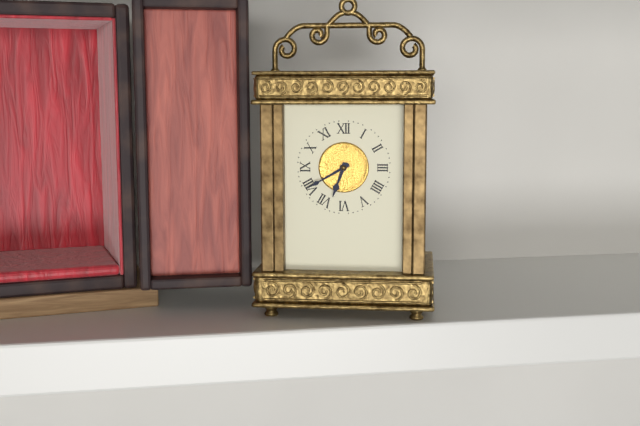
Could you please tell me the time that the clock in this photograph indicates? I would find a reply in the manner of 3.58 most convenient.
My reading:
6.40
